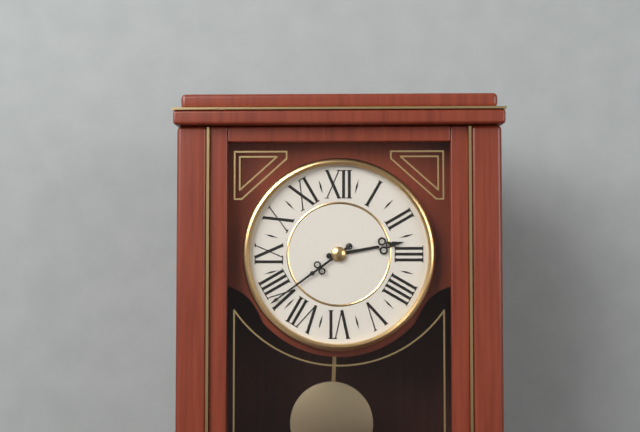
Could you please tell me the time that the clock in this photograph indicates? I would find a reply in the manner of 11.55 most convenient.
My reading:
2.39
